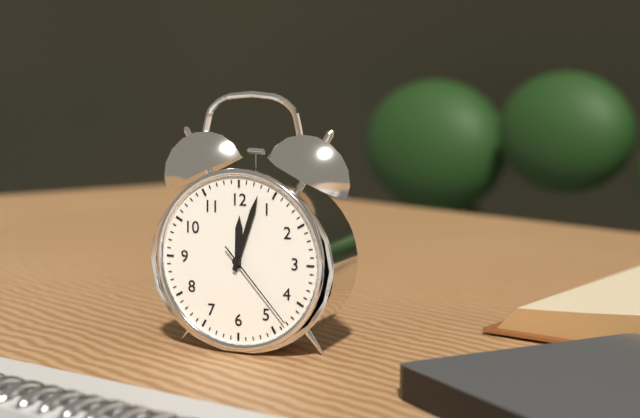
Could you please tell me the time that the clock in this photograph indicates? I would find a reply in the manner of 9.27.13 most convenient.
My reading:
12.03.23
